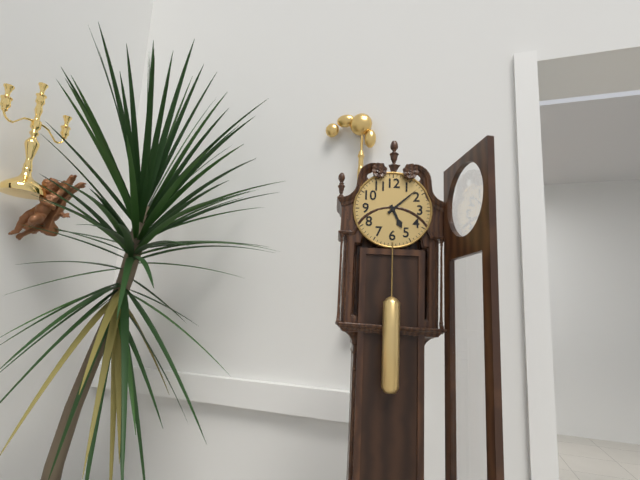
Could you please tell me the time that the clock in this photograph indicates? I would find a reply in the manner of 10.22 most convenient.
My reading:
5.08
